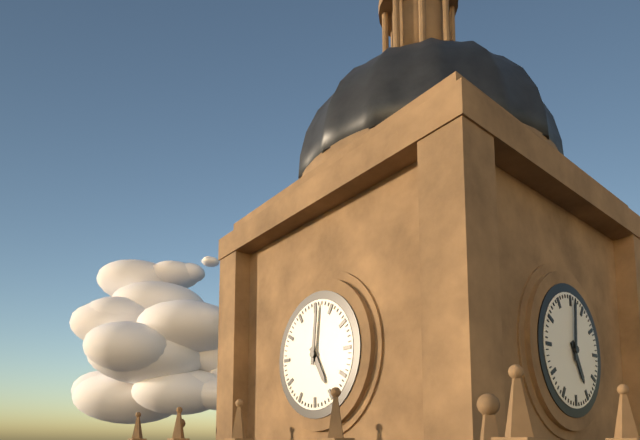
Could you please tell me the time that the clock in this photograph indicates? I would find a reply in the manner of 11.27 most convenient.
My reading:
5.01
